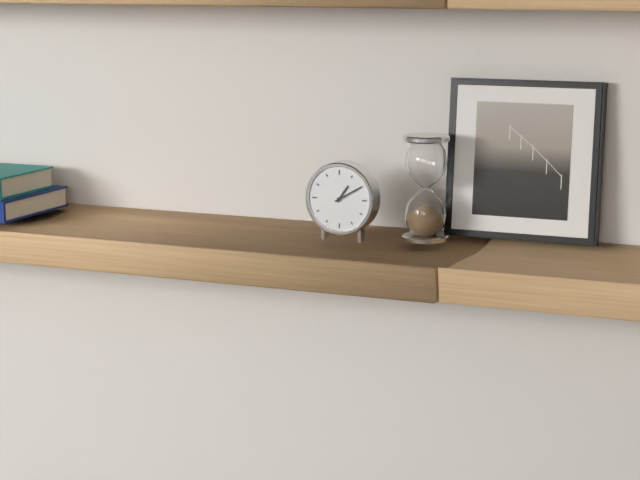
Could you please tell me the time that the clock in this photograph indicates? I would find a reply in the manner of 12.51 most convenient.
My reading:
1.10
